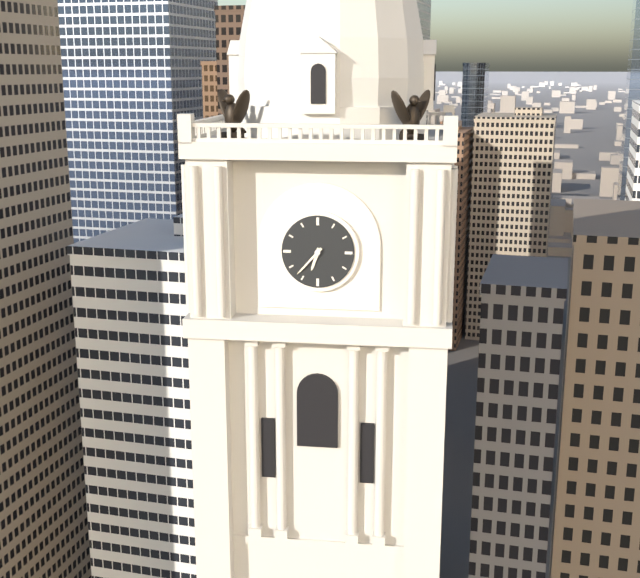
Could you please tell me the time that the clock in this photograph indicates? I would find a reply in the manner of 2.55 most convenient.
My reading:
6.37
